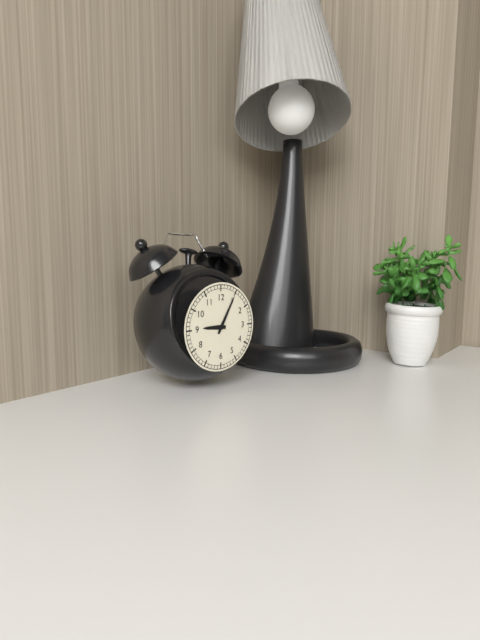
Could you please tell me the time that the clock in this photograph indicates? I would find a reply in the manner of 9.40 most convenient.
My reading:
9.05
